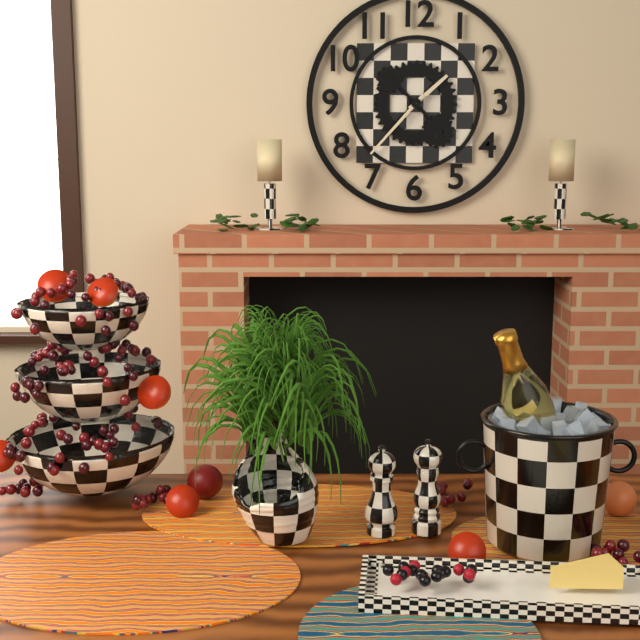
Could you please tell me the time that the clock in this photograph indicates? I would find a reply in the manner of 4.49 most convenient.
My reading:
1.37
